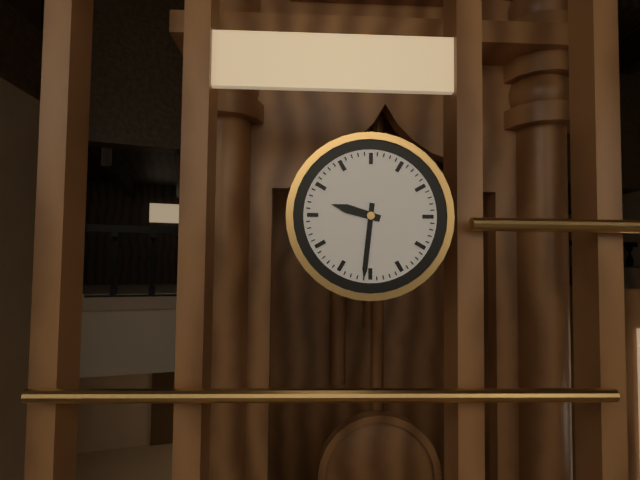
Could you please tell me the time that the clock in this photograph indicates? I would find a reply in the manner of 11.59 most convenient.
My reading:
9.31
